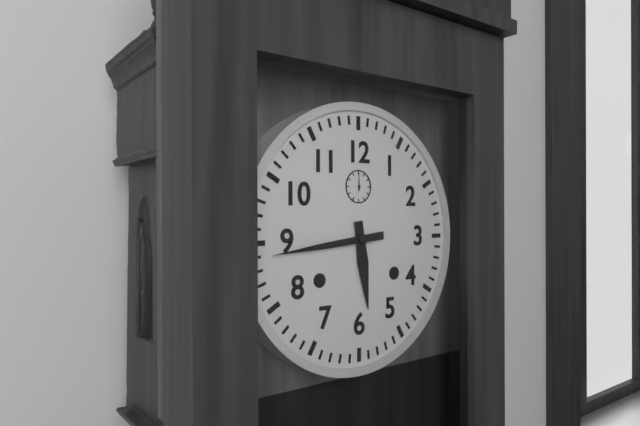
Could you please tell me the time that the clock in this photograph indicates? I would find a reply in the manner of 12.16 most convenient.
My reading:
5.44
